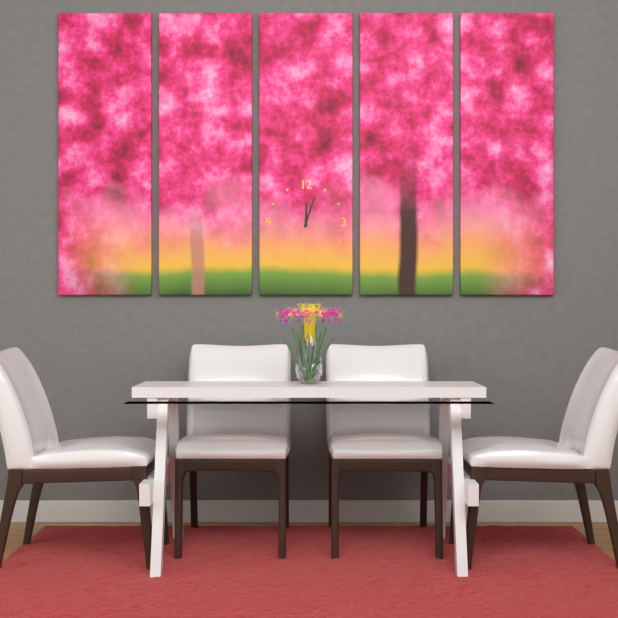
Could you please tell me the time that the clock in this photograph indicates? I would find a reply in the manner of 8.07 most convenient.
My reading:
12.03
